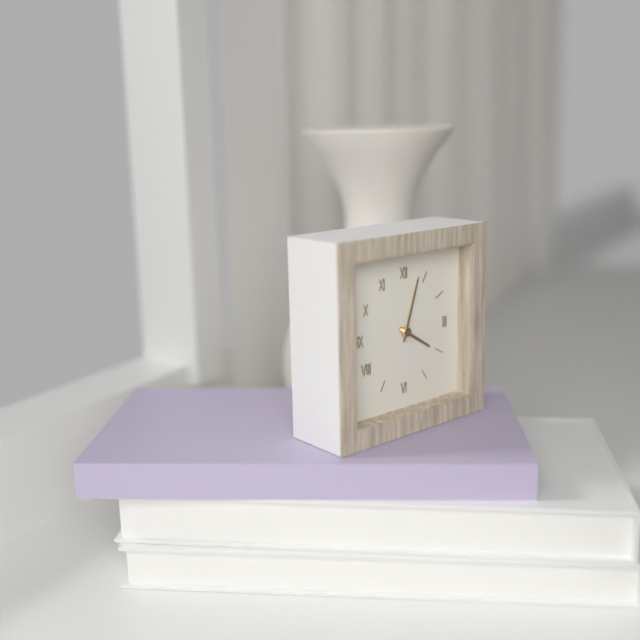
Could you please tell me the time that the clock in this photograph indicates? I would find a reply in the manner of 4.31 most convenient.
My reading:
4.03
